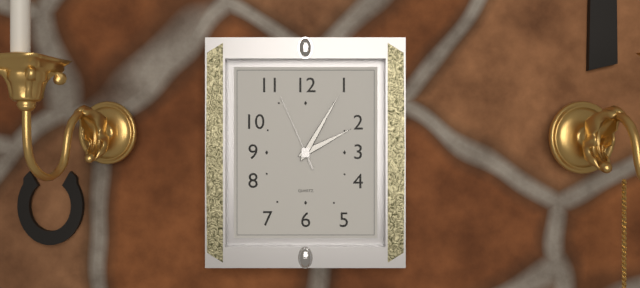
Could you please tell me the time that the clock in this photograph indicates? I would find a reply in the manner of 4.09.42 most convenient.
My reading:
2.05.56
